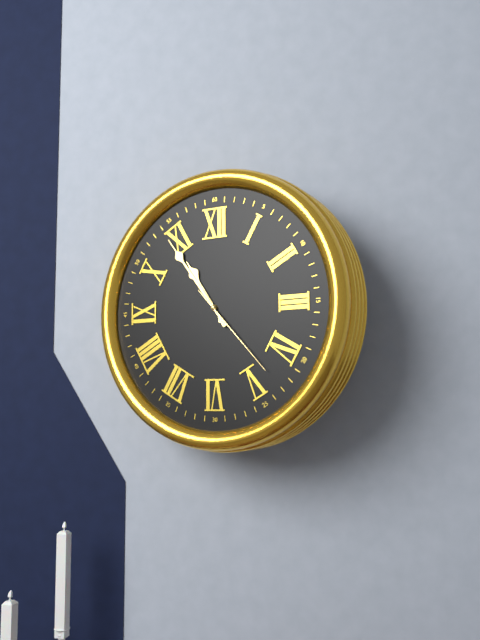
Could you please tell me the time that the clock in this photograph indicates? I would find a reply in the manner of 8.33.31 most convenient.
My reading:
10.54.23
